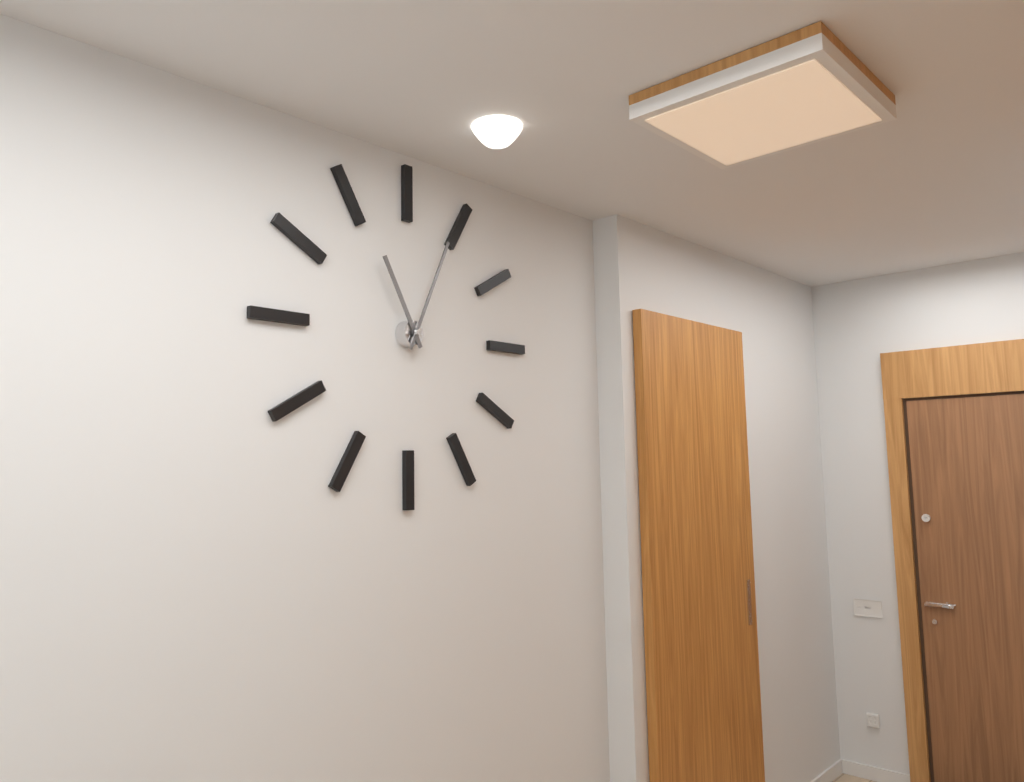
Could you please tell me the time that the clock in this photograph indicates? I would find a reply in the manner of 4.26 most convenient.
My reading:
11.04
